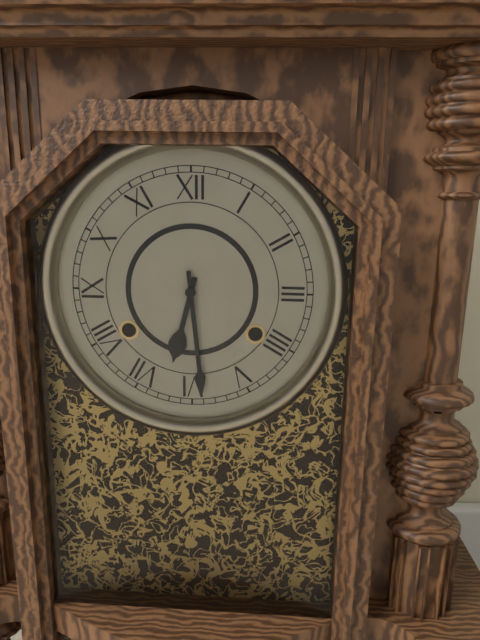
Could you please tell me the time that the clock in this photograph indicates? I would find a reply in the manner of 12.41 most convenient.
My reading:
6.29
